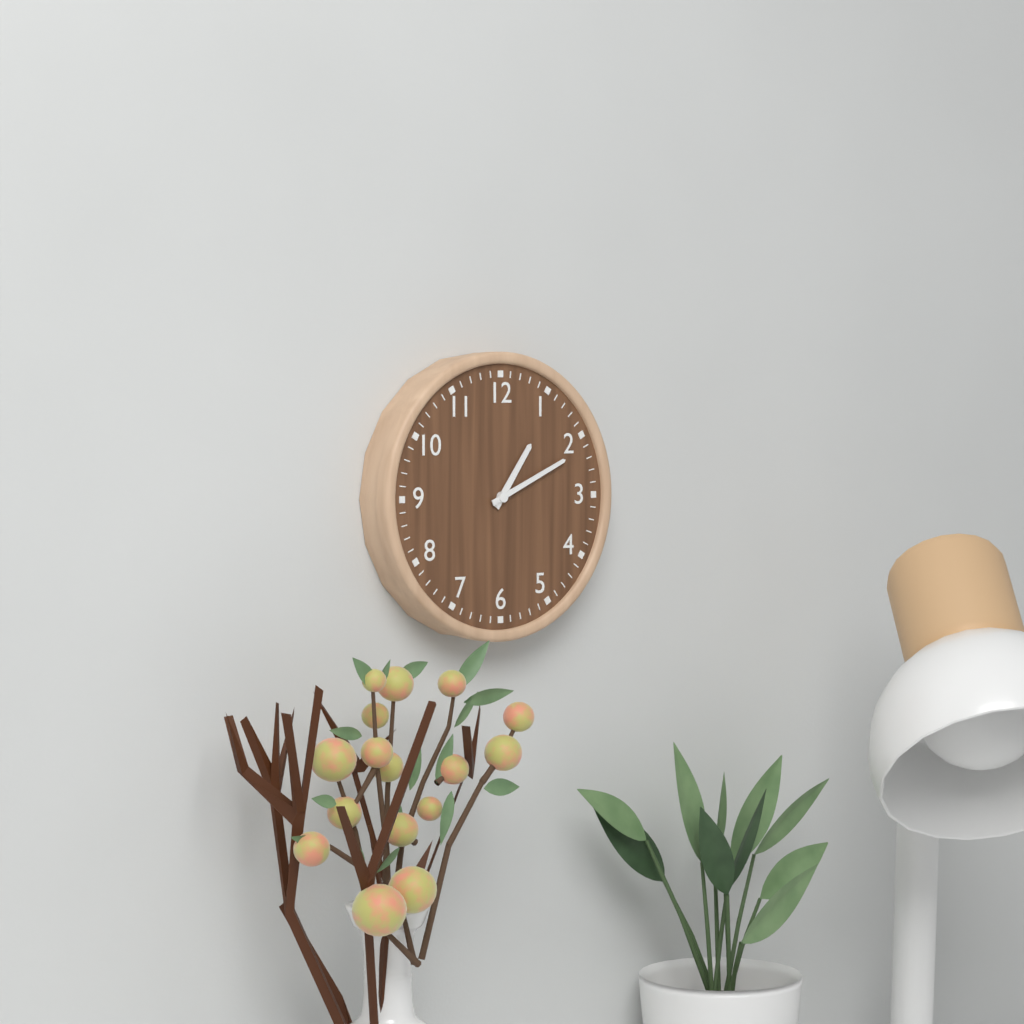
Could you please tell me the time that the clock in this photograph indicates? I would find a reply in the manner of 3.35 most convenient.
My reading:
1.11
